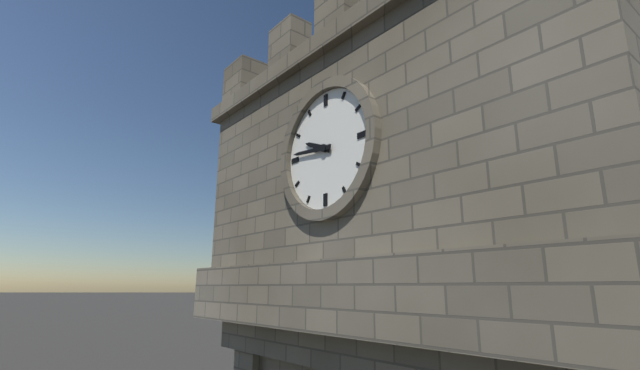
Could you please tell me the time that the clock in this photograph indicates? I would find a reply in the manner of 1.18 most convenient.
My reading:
9.46
